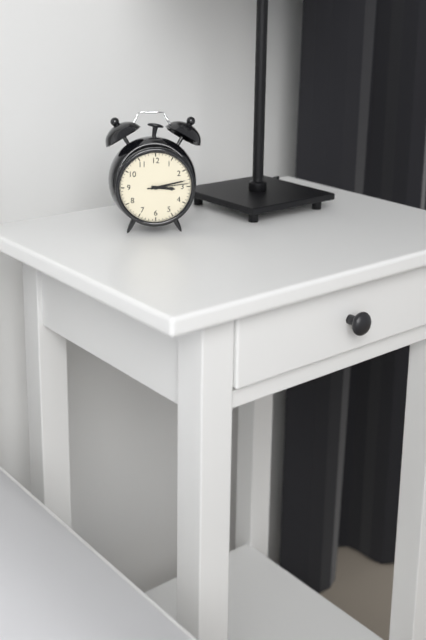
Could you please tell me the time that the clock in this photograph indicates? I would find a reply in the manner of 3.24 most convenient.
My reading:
3.13
